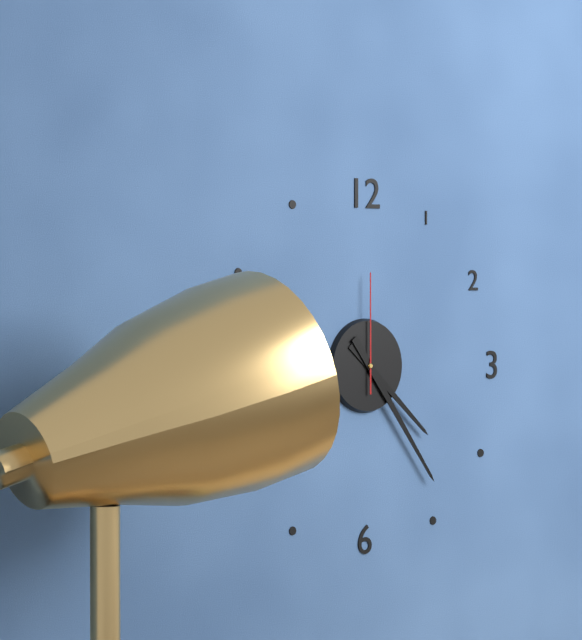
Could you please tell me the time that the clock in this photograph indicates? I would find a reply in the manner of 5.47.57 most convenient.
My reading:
4.24.00
